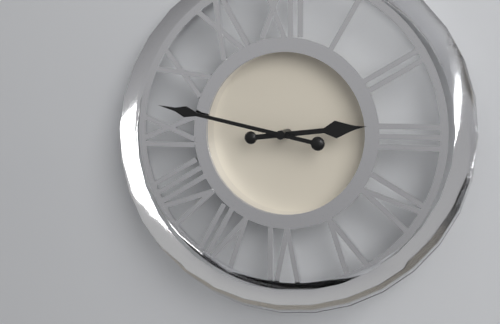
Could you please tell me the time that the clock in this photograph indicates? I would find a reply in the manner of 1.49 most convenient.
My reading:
2.47
